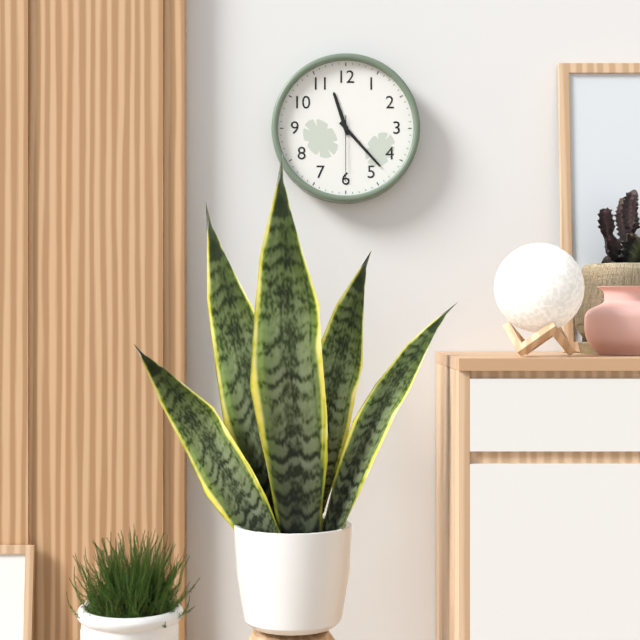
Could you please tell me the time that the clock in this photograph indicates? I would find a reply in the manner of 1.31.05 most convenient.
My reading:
11.23.30
